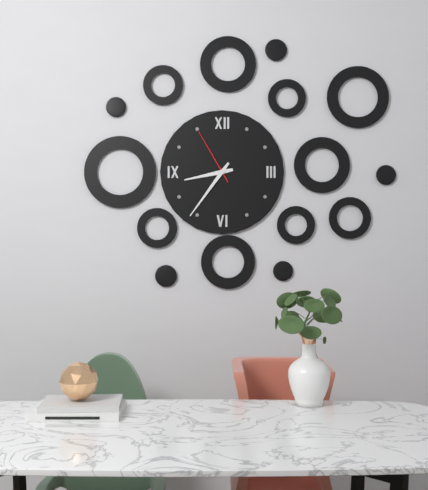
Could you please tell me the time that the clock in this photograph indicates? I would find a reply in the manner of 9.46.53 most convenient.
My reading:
8.36.55
